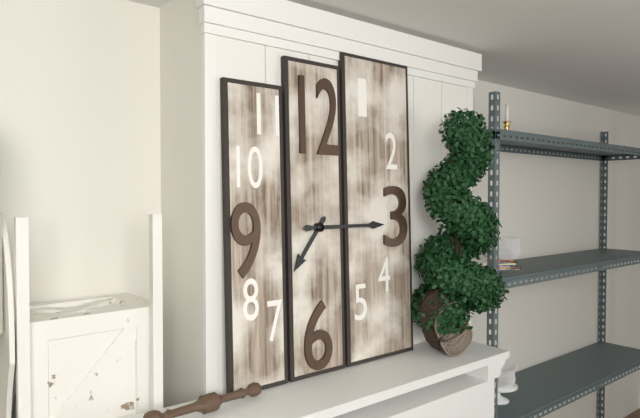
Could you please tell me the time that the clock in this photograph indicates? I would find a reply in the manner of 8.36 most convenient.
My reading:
7.15
